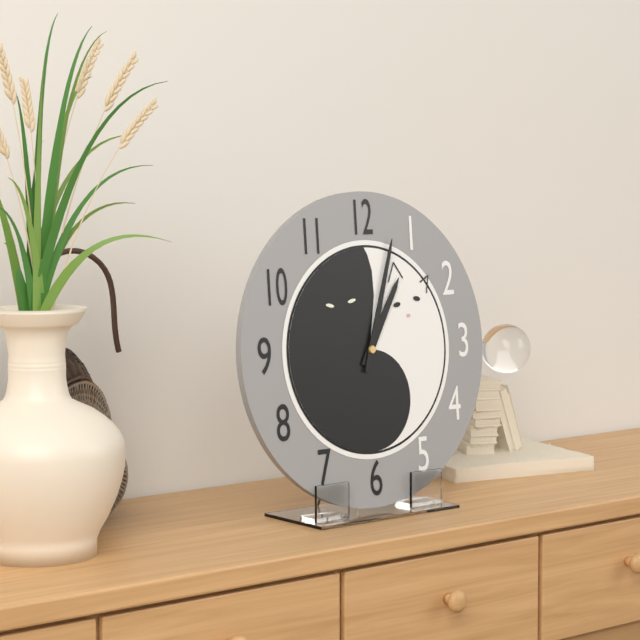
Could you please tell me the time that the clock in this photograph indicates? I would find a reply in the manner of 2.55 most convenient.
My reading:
1.03
